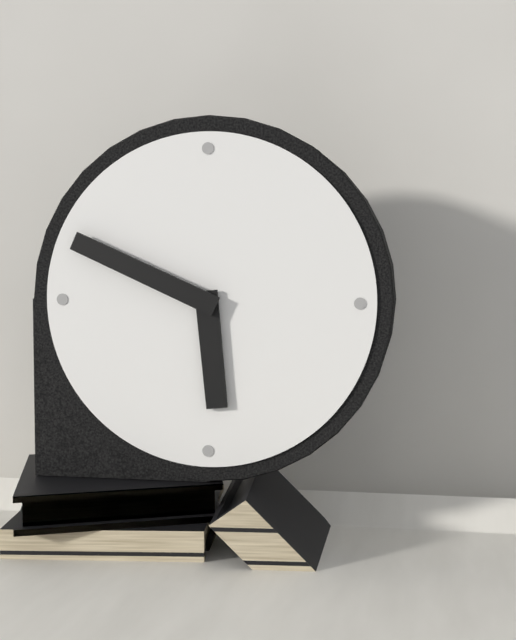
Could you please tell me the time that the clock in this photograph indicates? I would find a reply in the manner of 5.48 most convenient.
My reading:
5.49
